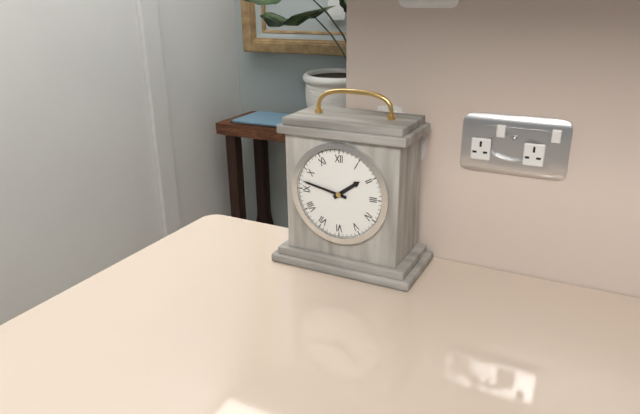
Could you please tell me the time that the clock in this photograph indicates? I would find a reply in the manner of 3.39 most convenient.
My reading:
1.47
